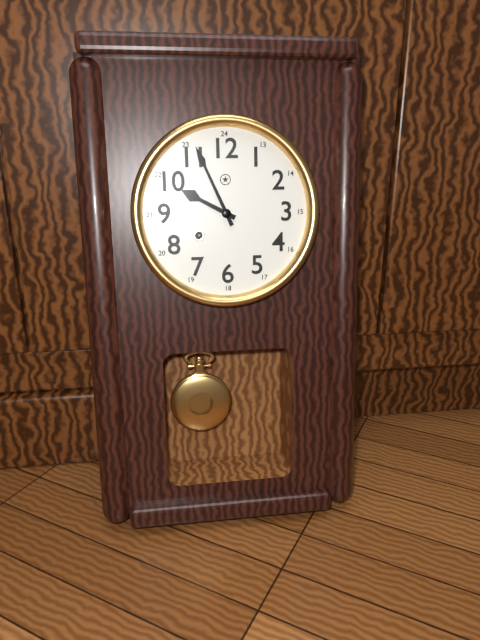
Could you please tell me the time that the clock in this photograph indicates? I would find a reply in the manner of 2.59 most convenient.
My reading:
9.56
